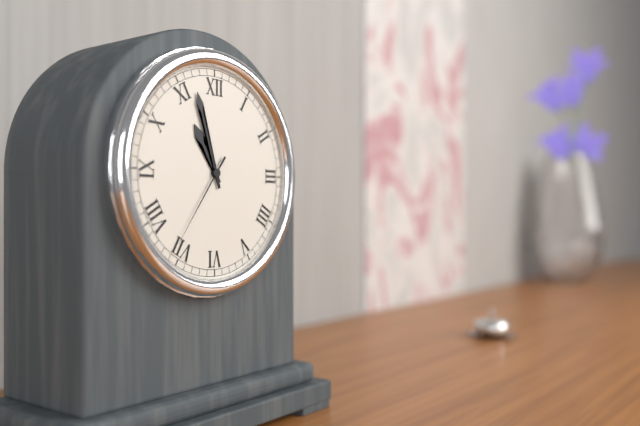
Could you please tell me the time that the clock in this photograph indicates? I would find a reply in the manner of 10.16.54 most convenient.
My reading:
10.57.36
